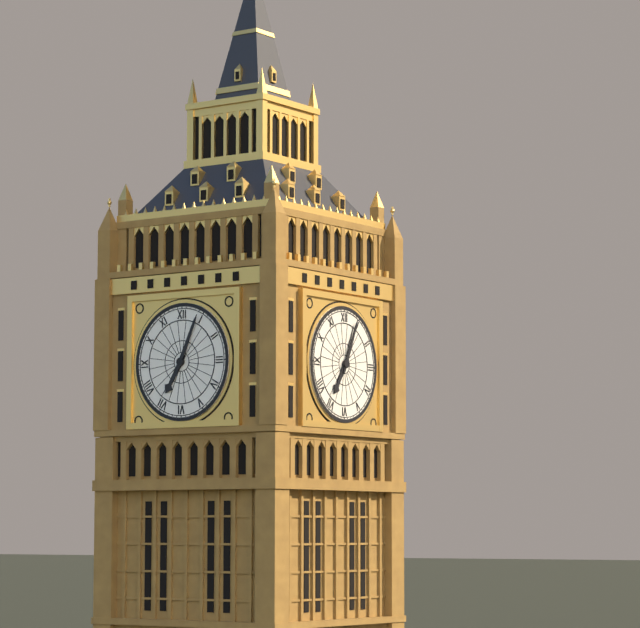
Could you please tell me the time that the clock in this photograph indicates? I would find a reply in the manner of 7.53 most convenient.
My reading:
7.04
